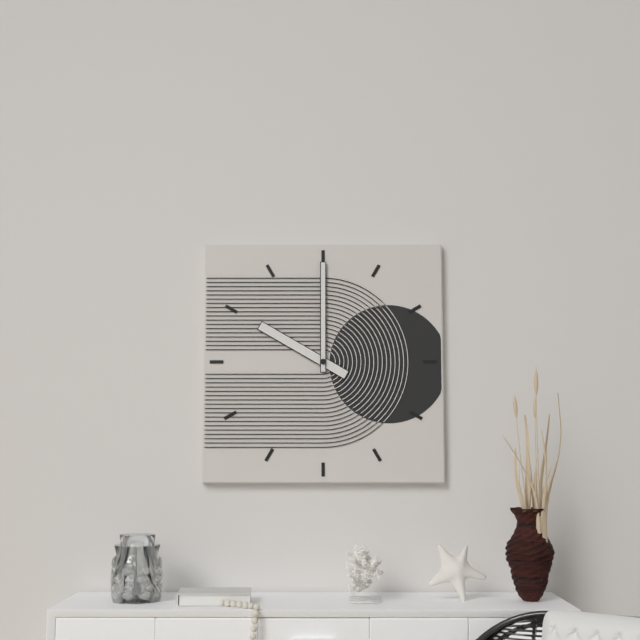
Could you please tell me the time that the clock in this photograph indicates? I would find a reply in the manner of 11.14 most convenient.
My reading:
10.00
